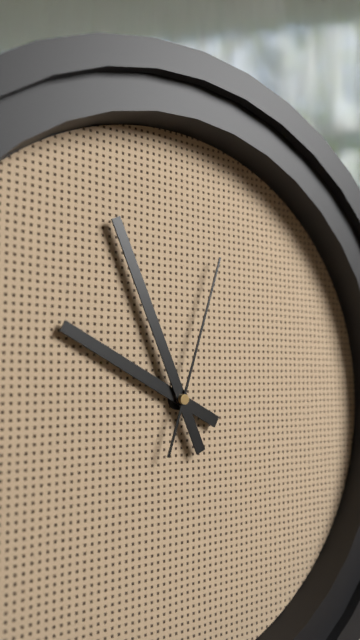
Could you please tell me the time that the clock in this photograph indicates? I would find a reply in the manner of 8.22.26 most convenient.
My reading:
9.56.03
